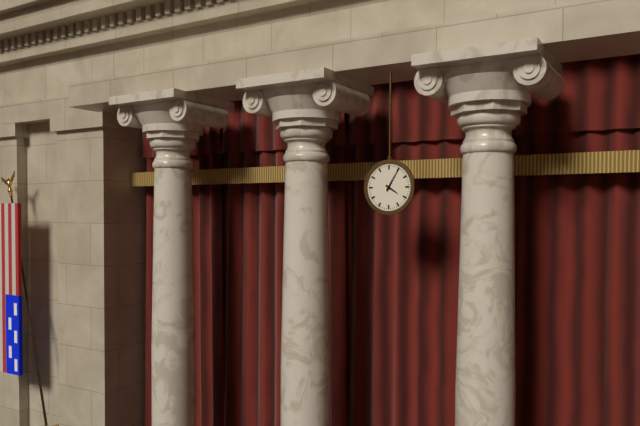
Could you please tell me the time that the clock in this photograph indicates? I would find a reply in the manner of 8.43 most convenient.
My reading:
4.05
